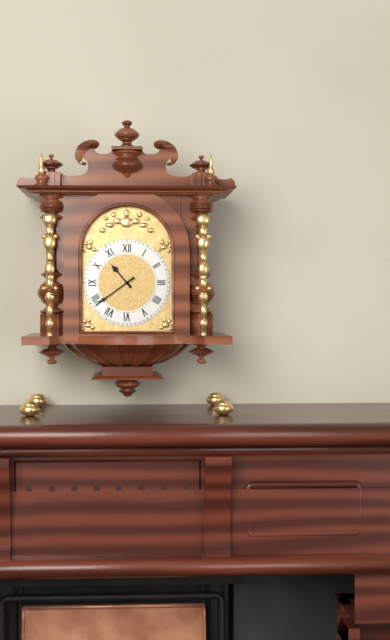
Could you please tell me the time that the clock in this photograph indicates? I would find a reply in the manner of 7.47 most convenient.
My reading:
10.39
